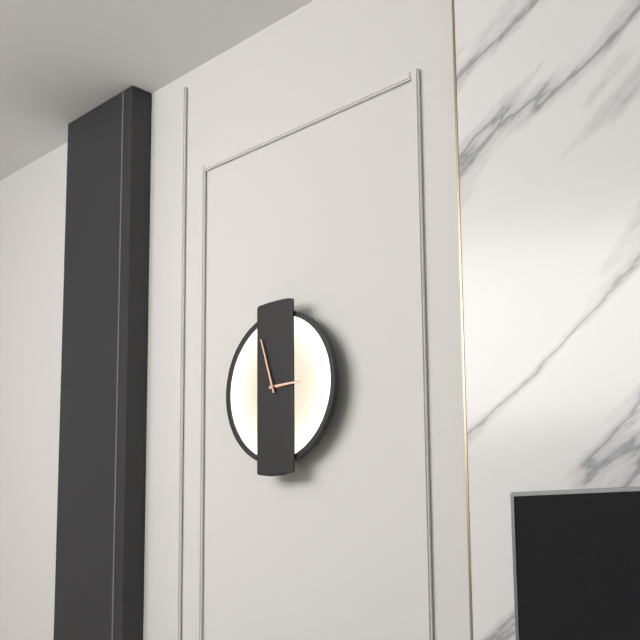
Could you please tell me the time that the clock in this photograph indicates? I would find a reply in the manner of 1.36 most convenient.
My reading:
2.57
